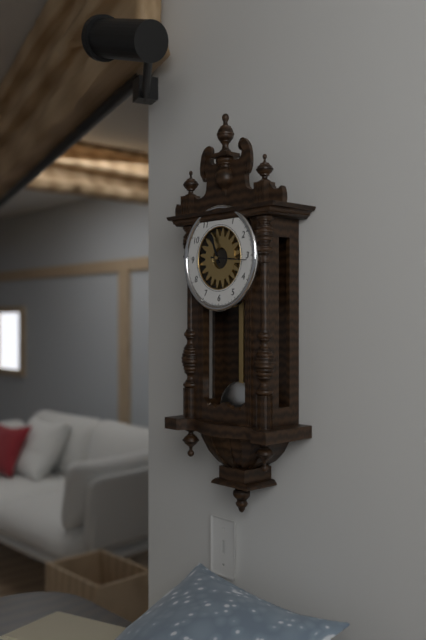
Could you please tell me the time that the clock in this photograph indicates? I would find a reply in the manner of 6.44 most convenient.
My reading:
11.16
